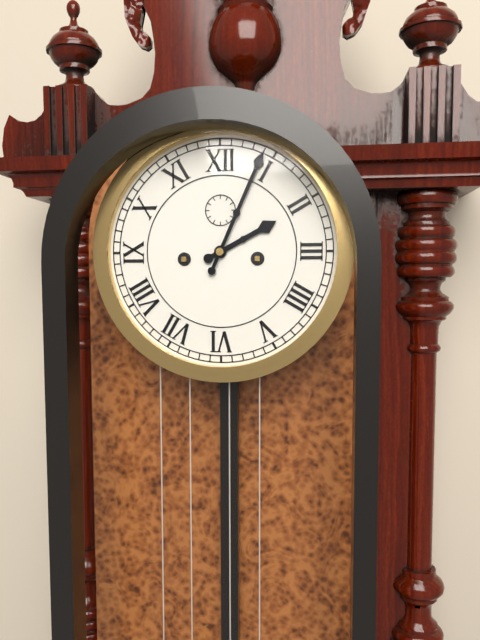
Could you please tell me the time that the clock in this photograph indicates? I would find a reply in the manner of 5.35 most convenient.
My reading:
2.04
